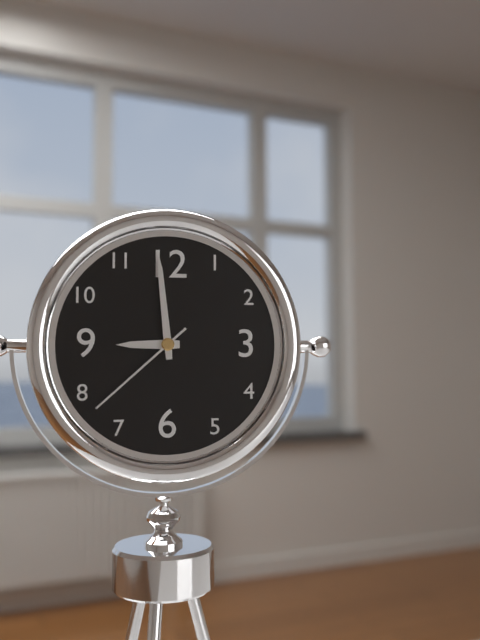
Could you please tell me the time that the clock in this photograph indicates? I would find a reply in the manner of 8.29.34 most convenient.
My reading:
8.59.38
